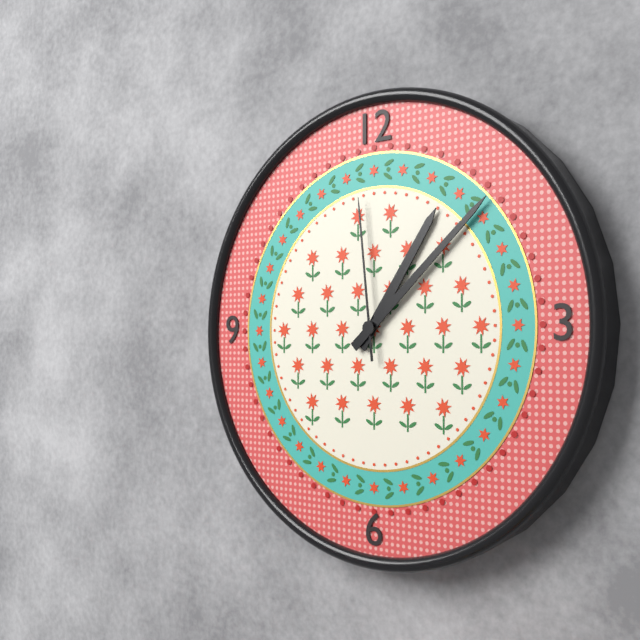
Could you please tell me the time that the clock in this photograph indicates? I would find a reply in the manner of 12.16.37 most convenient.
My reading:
1.08.59
